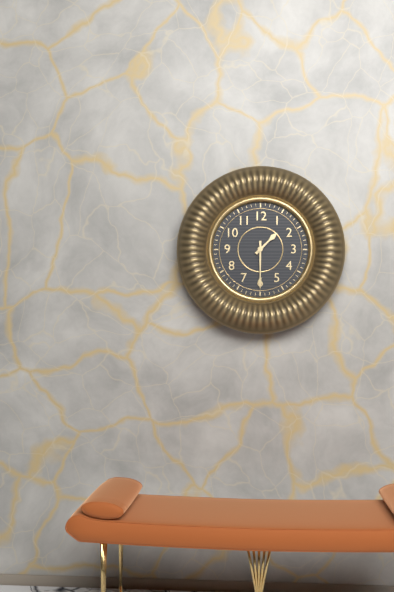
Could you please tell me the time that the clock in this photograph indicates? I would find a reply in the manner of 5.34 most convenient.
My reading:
1.30
